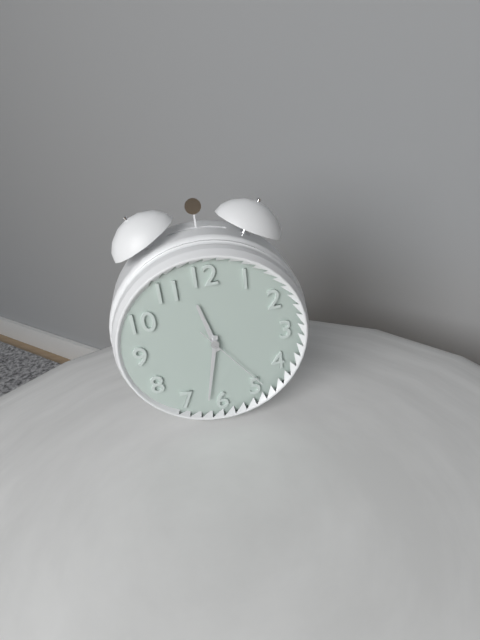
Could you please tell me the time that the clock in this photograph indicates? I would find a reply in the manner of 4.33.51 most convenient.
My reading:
11.32.24
